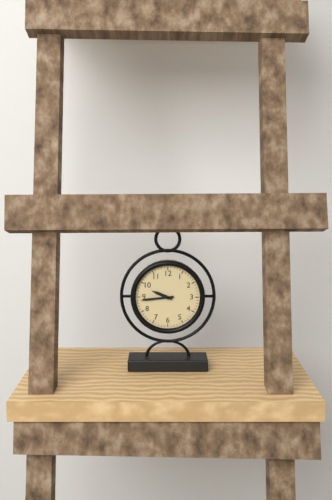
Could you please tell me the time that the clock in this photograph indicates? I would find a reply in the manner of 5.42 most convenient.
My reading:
9.44
